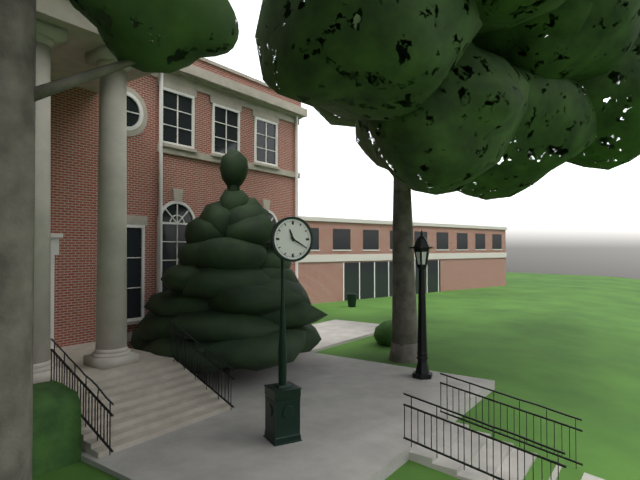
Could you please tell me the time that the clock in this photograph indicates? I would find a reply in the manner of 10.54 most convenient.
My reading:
11.20
